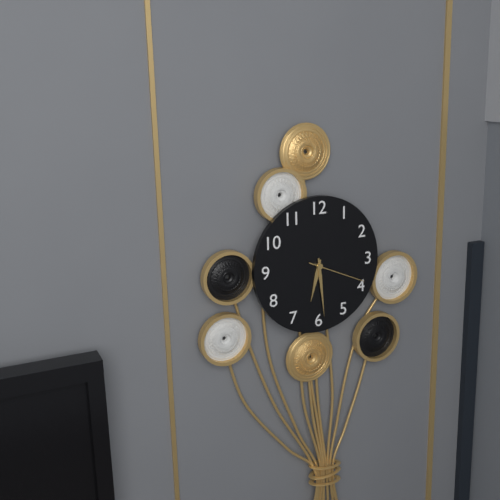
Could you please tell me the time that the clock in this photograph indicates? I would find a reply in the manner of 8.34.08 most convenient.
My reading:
6.29.19
